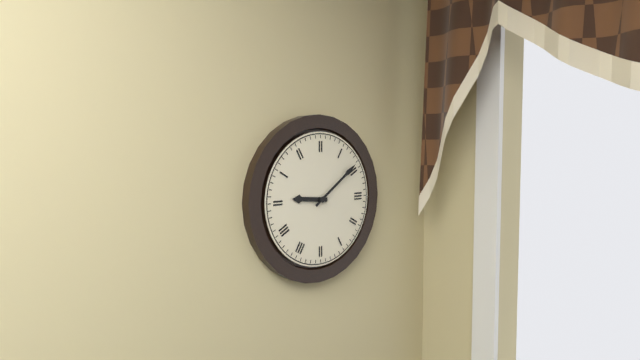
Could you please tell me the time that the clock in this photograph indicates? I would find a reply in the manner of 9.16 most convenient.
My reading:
9.09
